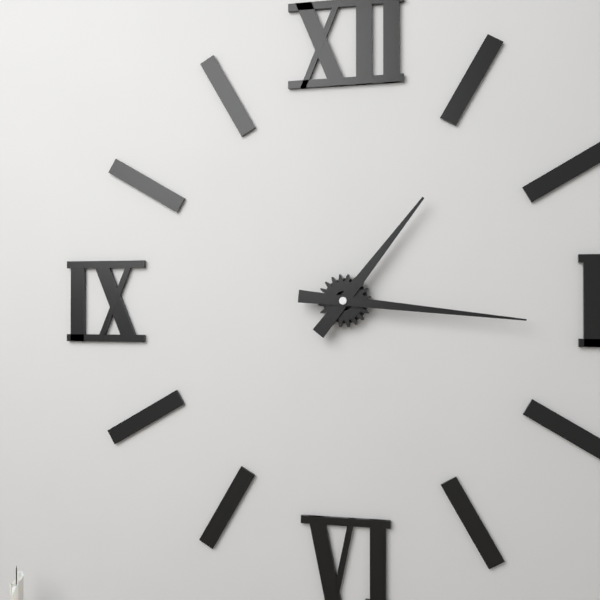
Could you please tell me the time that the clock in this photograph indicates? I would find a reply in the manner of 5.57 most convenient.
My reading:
1.16
